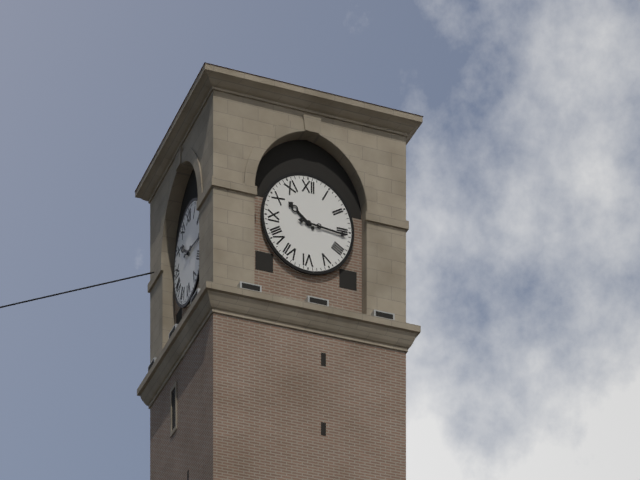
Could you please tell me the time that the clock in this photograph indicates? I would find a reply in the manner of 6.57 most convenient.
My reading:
10.16
